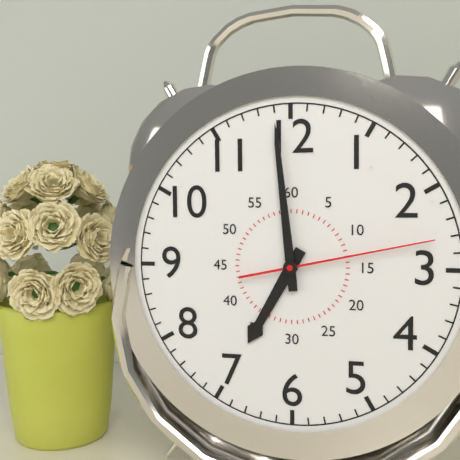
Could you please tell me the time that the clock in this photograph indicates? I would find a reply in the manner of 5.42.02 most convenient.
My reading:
6.59.13
